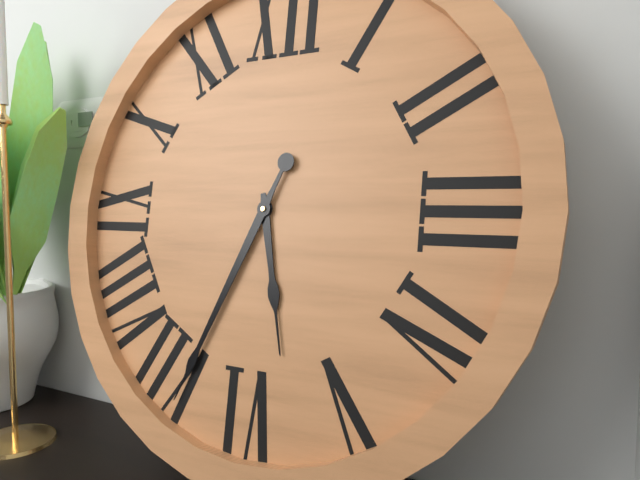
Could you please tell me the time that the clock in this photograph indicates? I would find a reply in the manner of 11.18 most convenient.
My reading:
5.34
